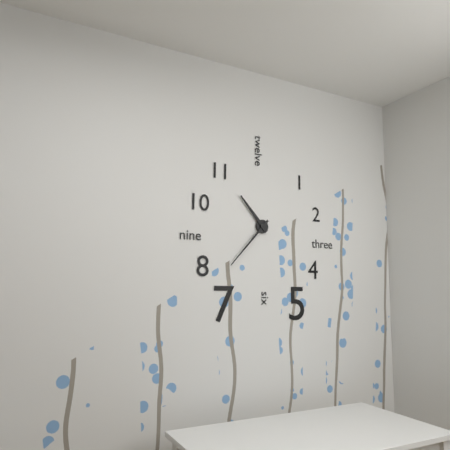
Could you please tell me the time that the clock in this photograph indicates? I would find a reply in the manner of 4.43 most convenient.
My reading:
10.37
